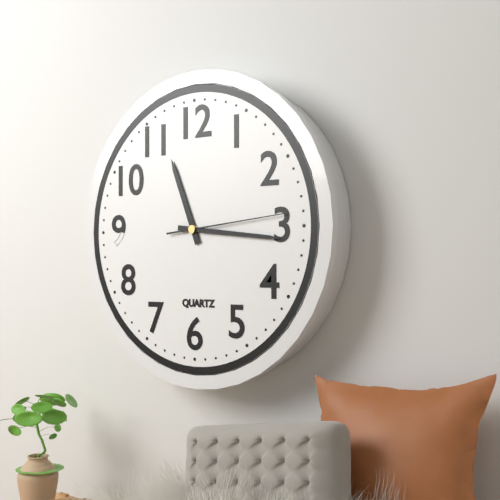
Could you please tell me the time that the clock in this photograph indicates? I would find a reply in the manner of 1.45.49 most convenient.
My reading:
11.16.14
